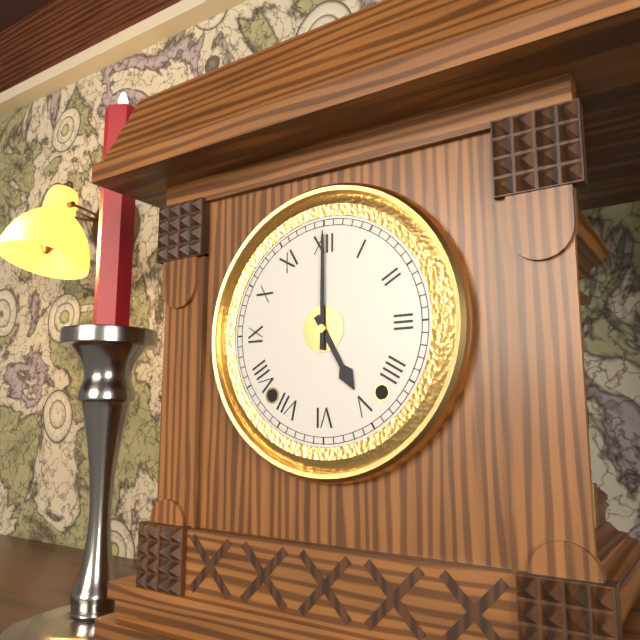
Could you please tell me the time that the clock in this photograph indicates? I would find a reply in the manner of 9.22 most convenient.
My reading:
5.00
